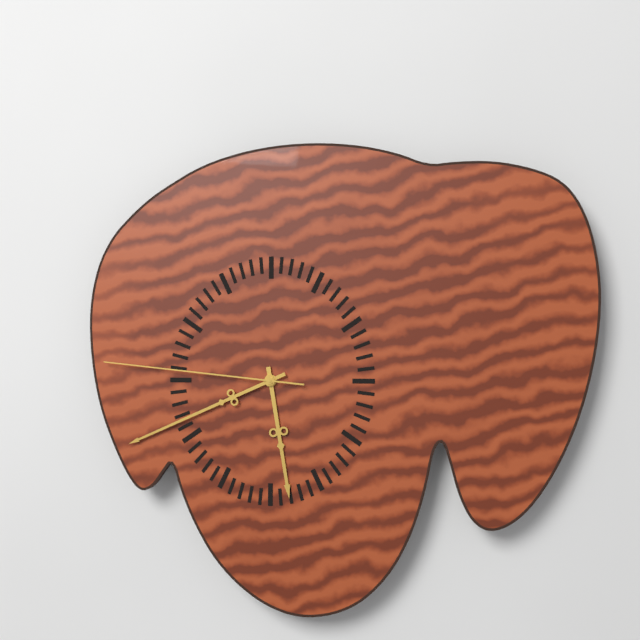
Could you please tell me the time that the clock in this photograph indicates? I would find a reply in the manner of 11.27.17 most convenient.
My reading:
5.41.46
